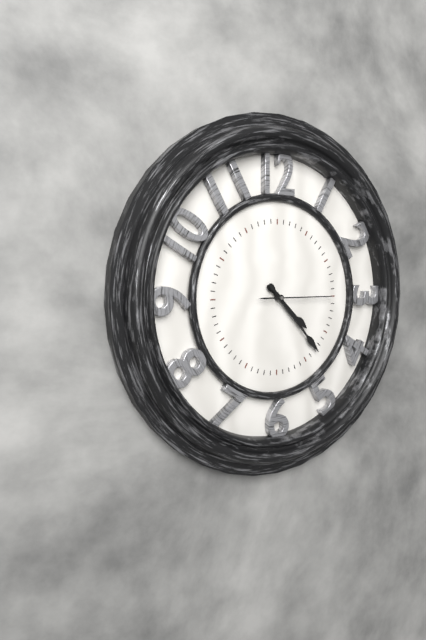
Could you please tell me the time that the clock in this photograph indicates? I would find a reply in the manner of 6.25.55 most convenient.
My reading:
4.23.15
